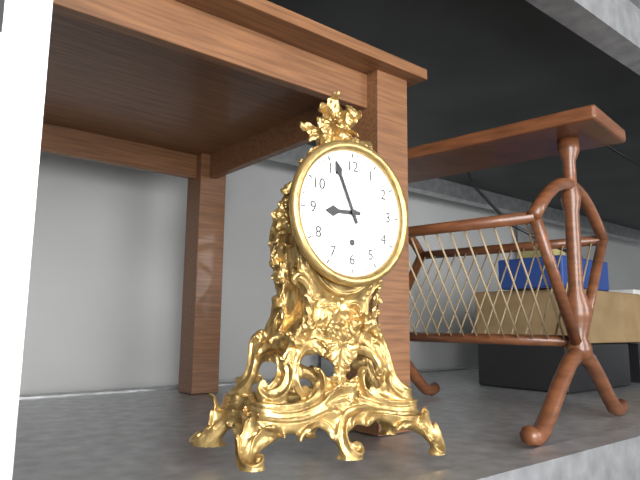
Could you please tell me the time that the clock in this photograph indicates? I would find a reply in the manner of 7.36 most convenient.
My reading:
8.56
